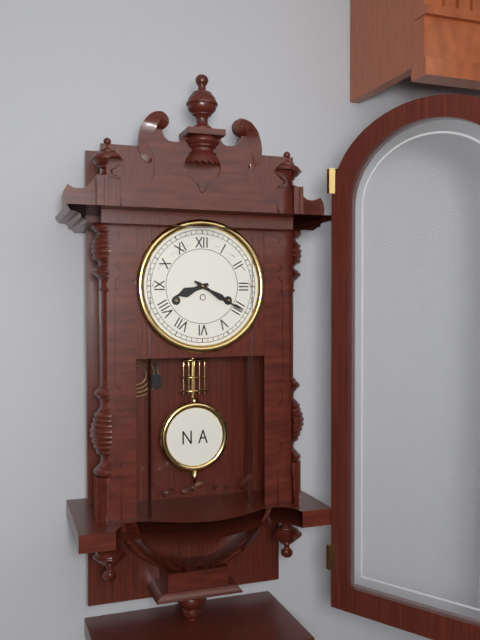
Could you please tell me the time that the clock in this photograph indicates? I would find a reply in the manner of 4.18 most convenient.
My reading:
8.20
